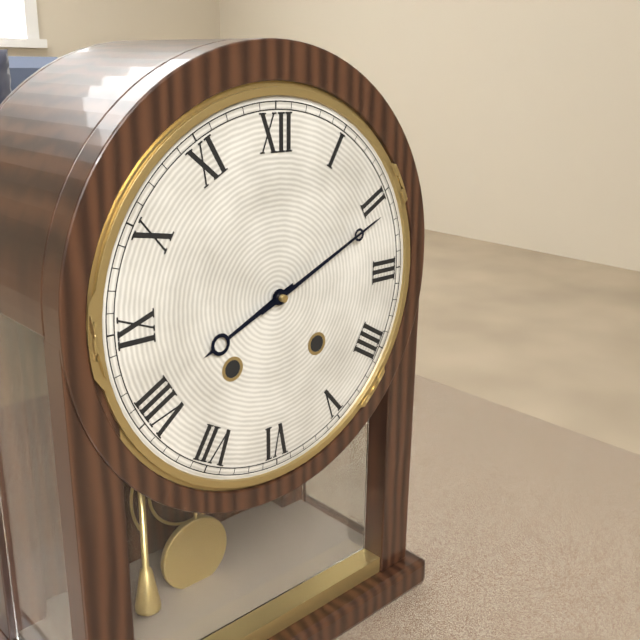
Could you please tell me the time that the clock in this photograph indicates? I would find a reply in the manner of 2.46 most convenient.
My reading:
8.11
